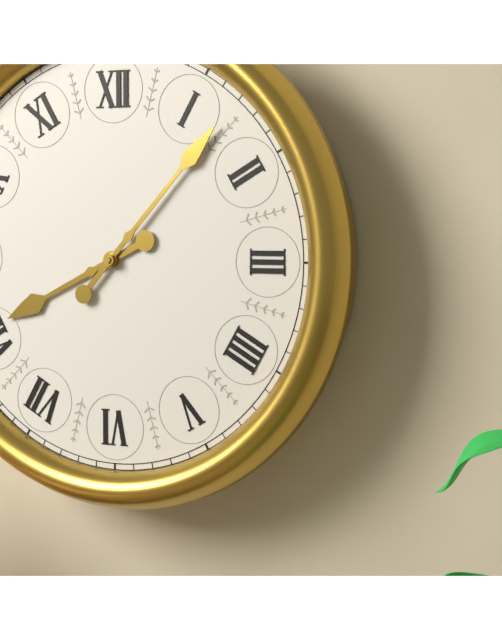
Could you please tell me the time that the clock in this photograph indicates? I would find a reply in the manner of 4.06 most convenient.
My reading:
8.07
